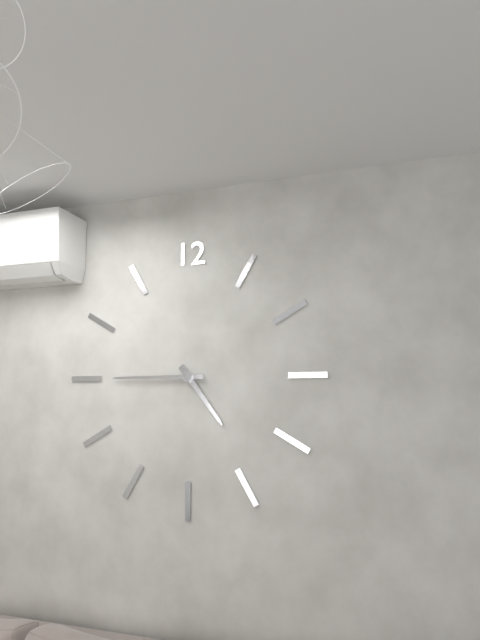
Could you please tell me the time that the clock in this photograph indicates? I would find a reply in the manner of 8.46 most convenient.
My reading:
4.45
